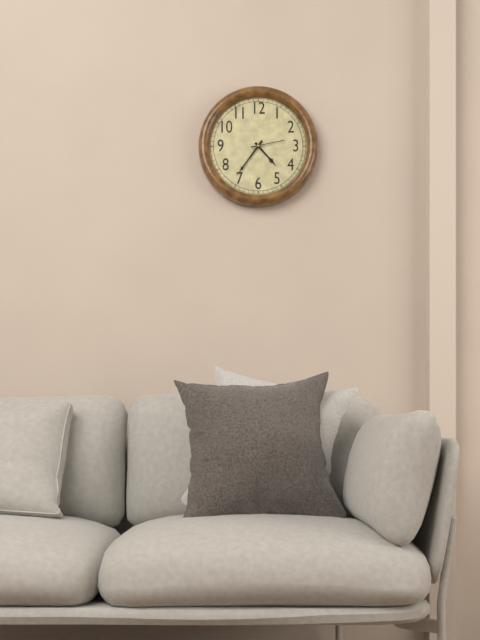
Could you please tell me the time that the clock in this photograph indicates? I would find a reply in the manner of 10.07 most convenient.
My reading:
4.36
